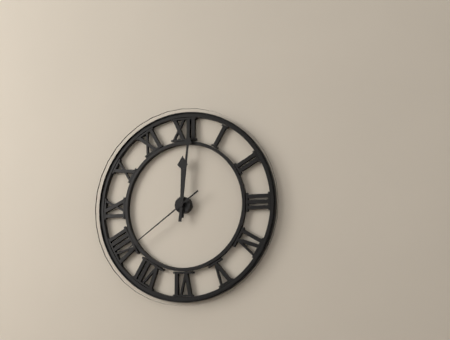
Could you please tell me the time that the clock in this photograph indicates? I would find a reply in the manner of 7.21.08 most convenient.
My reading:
12.01.39
